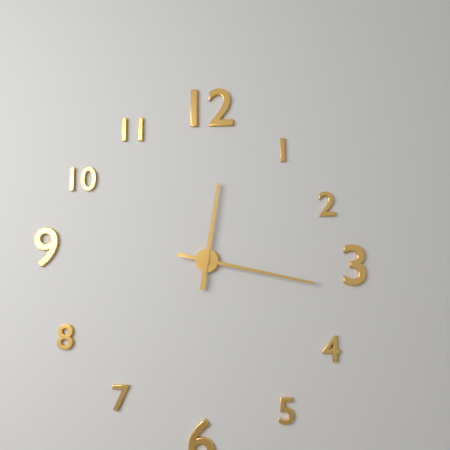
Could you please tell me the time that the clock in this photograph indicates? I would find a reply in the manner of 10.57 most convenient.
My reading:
12.17
